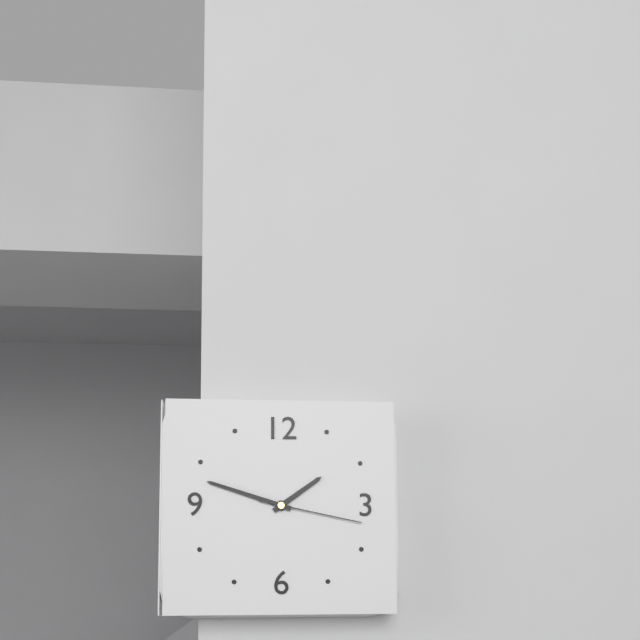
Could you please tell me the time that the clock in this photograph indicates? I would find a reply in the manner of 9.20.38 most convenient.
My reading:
1.48.17
